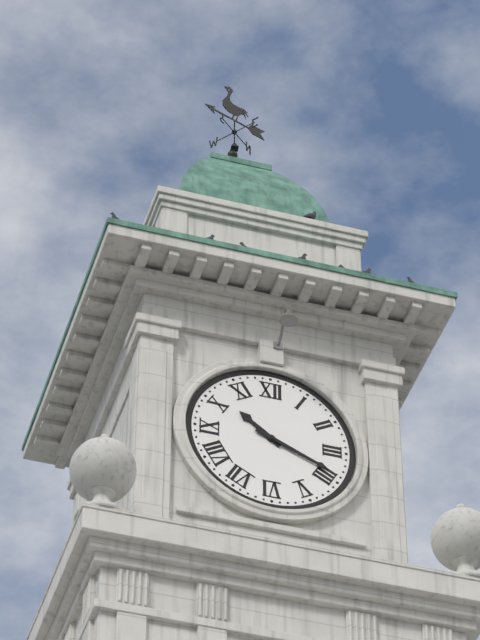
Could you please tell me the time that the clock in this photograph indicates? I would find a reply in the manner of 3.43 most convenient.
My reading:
10.19
